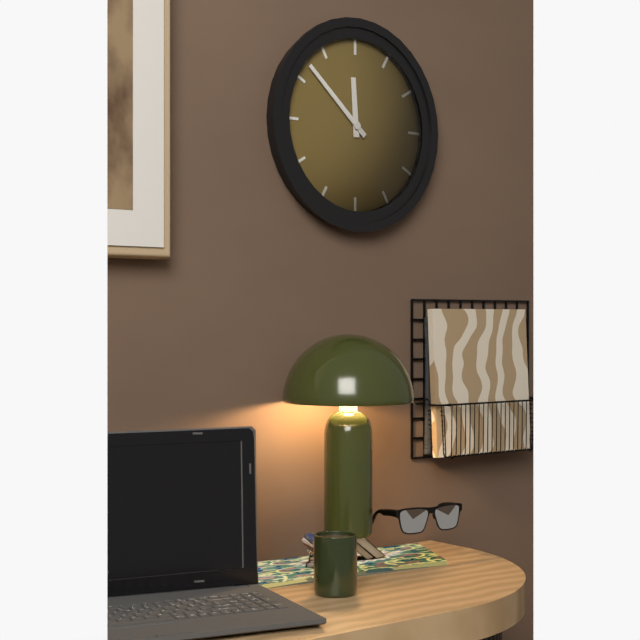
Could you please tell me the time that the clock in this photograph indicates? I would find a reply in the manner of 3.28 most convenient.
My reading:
11.52
